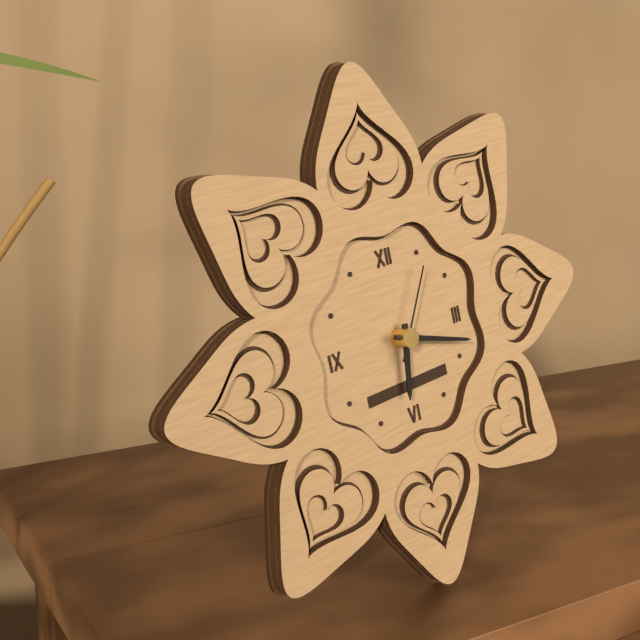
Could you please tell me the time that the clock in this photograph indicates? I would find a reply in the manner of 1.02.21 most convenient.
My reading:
6.18.05
